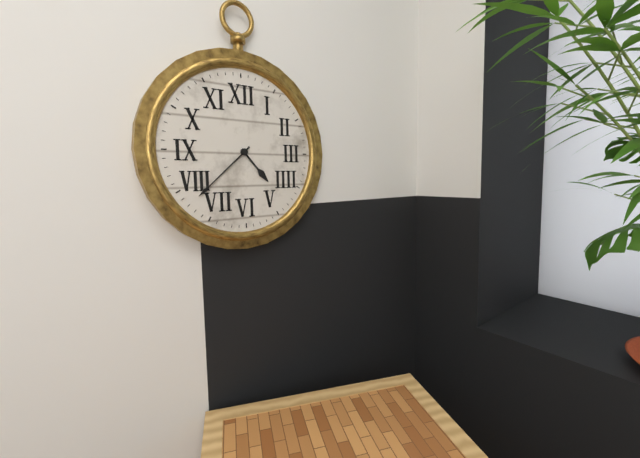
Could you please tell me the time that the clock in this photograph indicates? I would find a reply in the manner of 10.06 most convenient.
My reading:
4.38
